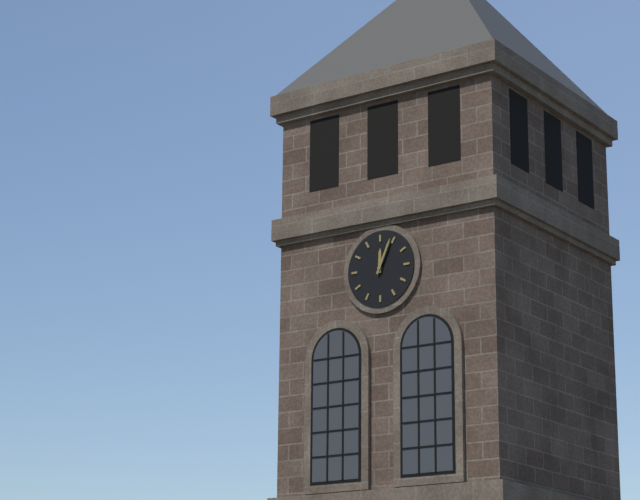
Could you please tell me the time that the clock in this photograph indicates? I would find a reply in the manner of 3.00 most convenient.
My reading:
12.04
